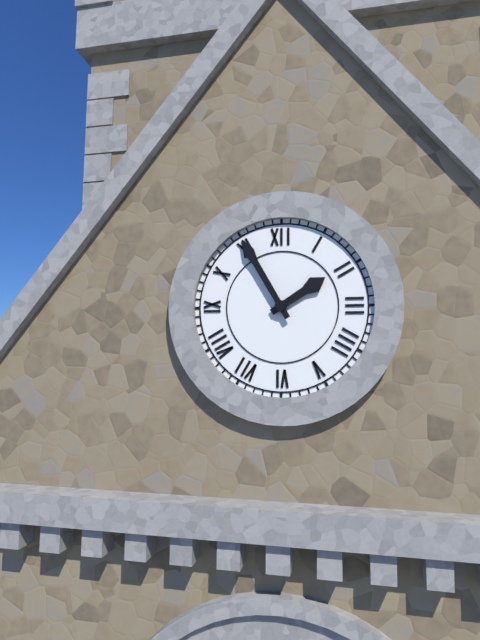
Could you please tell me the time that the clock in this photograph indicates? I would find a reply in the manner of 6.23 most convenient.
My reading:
1.55
